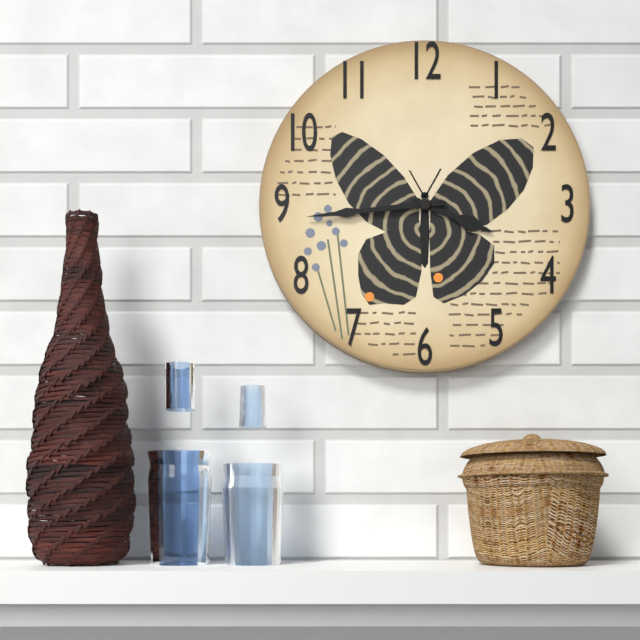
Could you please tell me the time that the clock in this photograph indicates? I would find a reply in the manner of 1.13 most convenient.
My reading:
3.44
